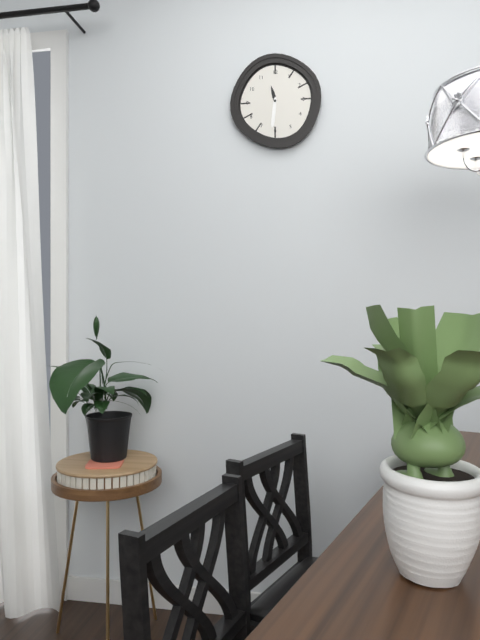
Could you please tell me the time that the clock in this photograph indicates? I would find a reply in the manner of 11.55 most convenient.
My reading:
11.31
